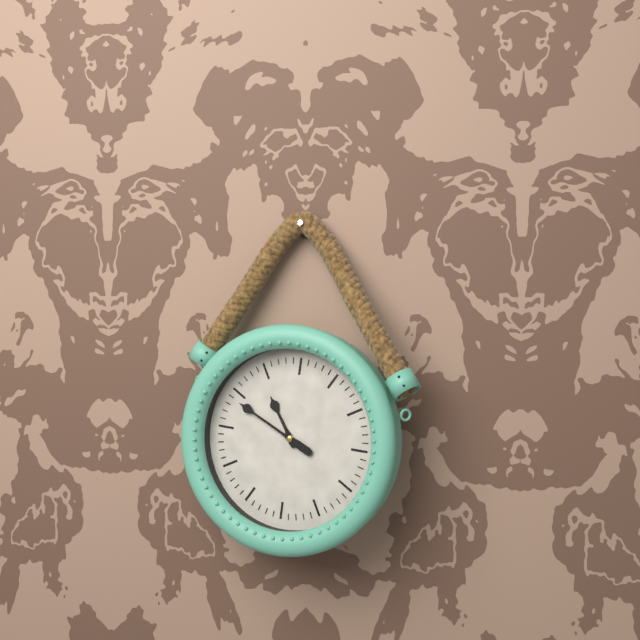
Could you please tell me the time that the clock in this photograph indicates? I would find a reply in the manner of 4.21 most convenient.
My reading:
10.49
